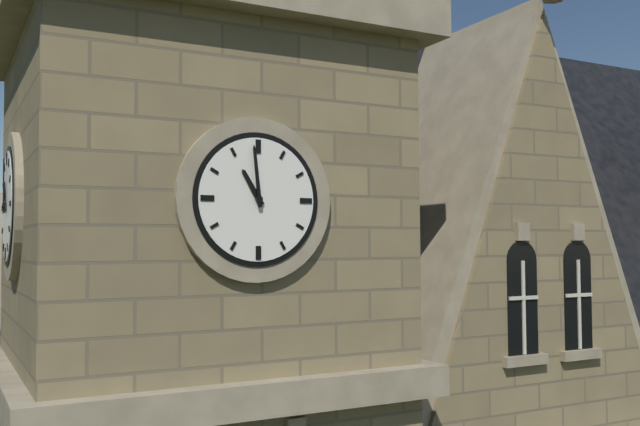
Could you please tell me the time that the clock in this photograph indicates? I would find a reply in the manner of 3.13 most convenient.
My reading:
10.59
